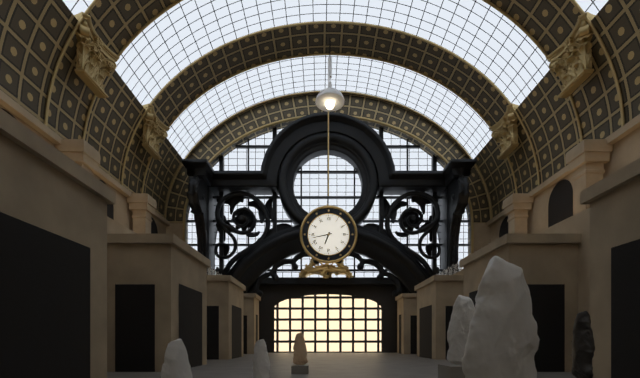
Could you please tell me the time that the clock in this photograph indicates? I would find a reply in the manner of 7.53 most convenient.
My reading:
6.43
